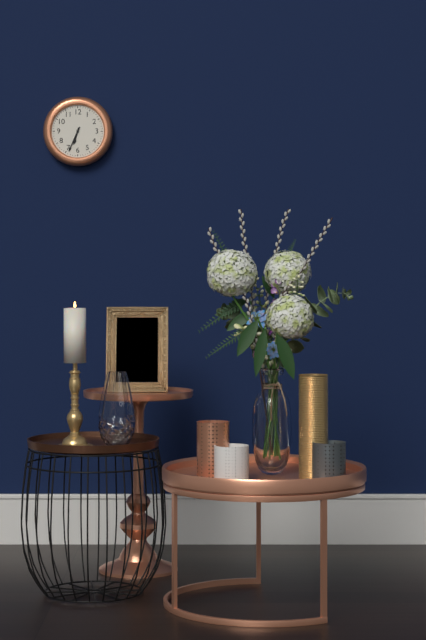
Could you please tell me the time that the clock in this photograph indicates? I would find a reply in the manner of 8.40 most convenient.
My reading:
6.34
